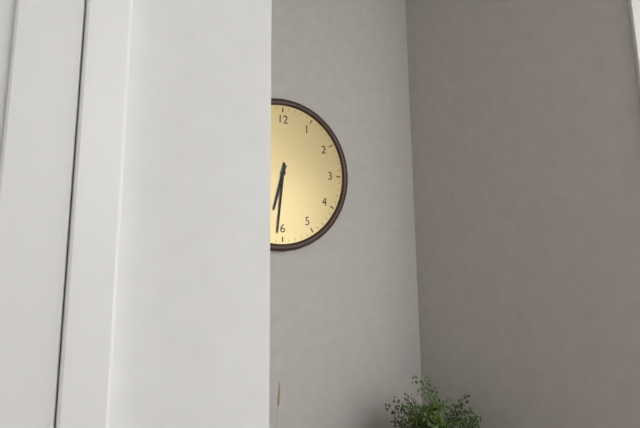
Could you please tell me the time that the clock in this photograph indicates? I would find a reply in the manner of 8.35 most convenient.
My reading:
6.31
